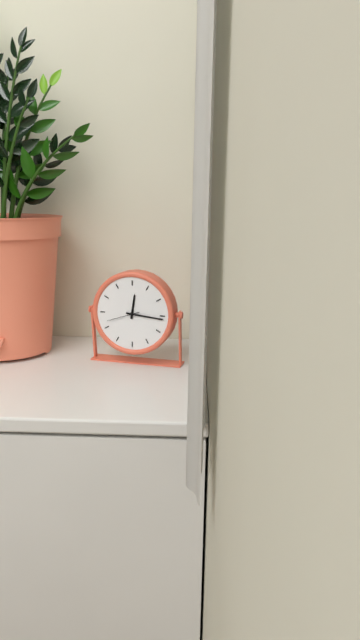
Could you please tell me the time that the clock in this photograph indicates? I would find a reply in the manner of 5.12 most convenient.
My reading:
12.16
